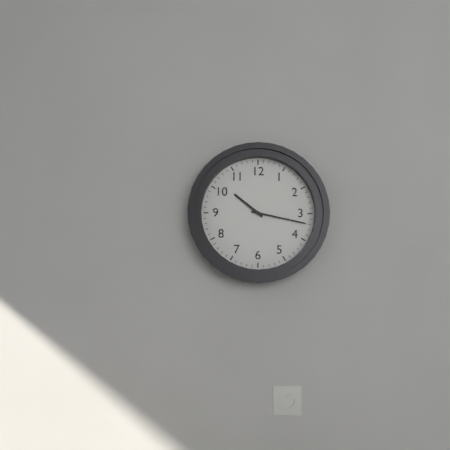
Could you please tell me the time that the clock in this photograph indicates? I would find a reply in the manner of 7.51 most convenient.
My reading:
10.17
